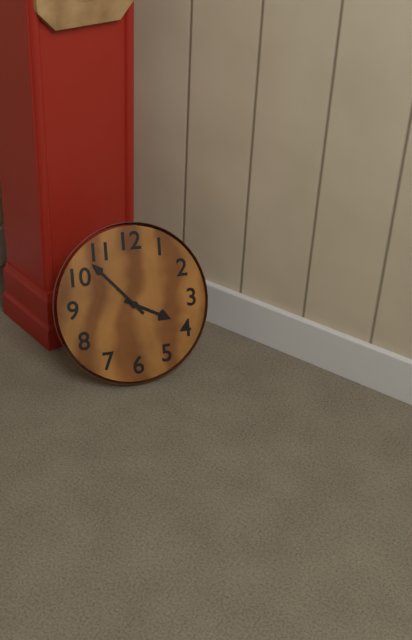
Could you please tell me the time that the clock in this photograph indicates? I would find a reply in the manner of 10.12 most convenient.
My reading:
3.53
